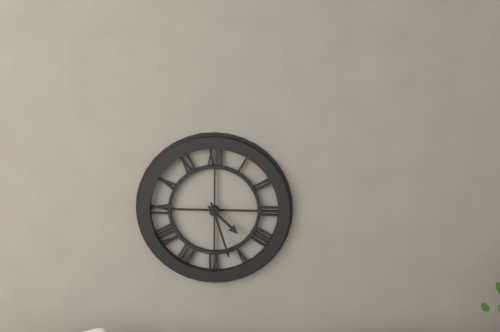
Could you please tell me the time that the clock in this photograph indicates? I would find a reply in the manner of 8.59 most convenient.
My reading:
4.27
